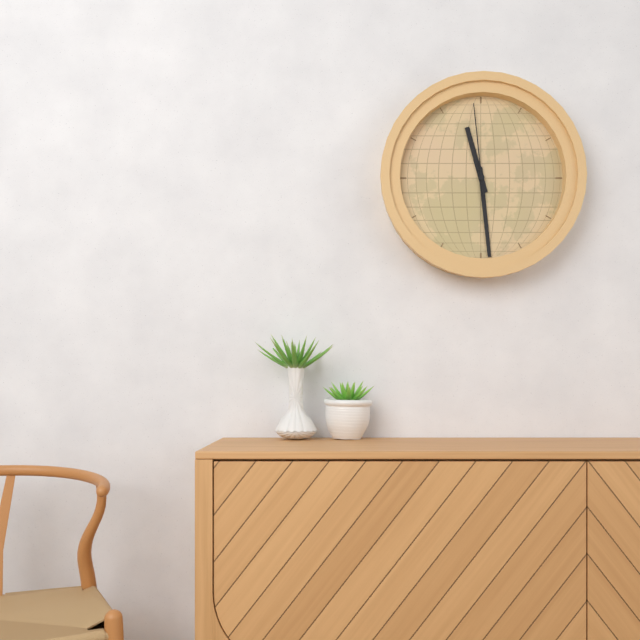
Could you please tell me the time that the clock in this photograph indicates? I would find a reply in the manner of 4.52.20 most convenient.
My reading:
11.29.59
